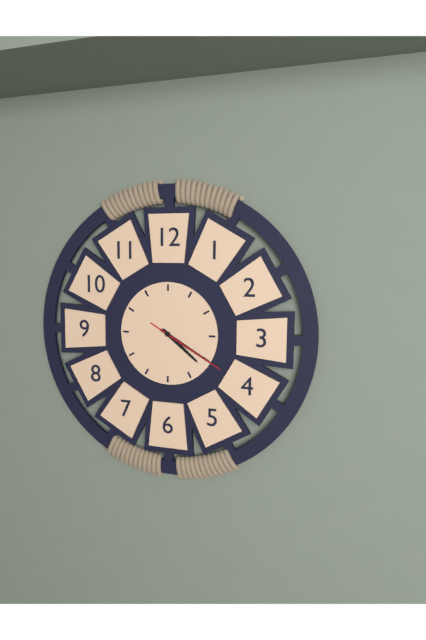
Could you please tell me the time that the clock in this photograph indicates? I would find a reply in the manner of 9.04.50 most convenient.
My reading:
4.20.20
